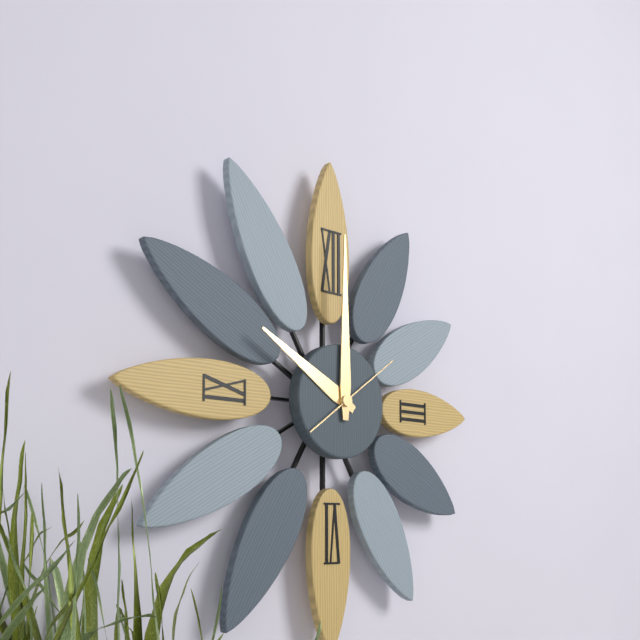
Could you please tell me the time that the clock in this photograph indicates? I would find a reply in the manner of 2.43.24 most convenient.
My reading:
10.00.09
